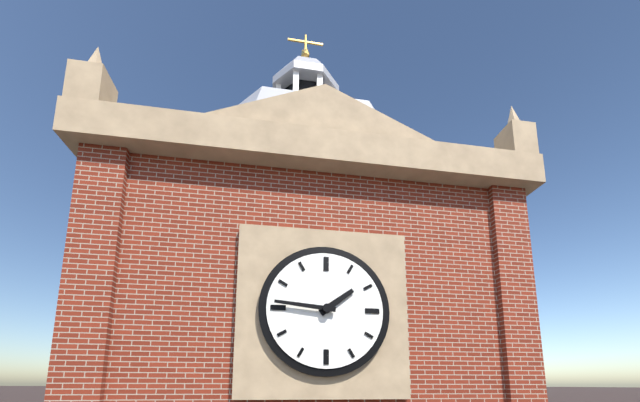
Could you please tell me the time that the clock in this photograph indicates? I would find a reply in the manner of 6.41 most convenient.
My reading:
1.46
